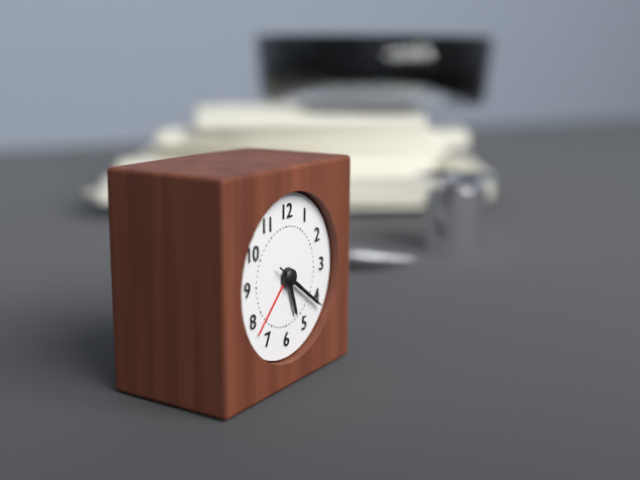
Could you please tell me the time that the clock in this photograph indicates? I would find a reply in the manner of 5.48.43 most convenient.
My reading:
5.21.21
